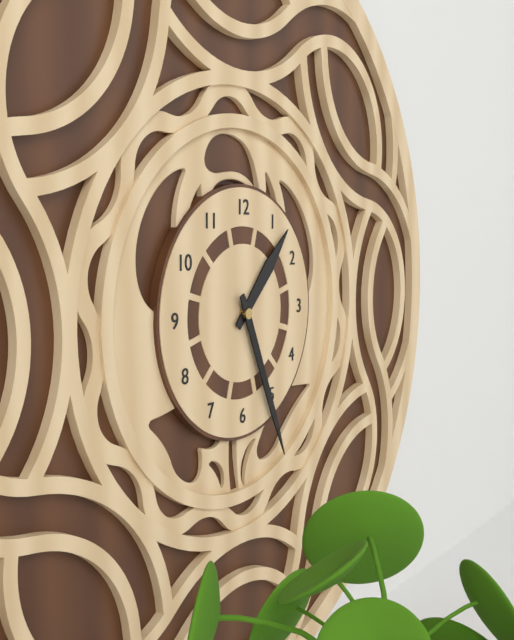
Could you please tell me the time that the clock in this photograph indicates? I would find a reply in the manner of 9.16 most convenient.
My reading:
1.26
